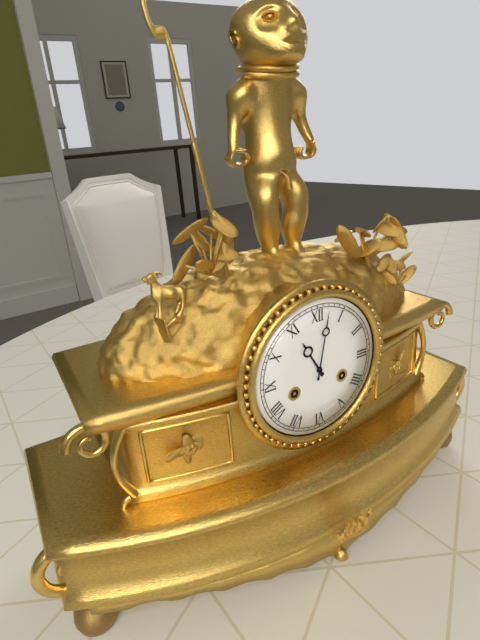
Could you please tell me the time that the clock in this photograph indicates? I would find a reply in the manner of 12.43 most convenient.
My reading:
11.02
